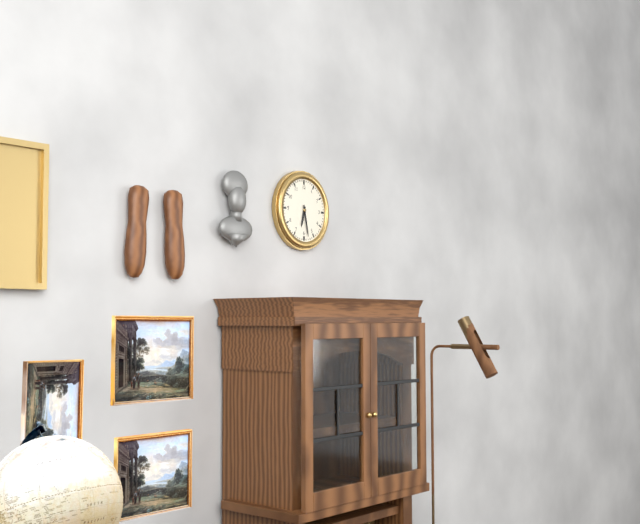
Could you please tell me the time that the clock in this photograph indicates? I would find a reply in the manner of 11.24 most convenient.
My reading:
6.28
